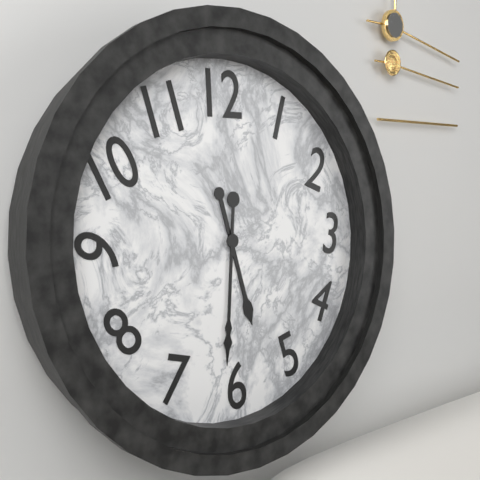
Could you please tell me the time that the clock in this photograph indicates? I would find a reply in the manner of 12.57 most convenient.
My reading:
5.31
